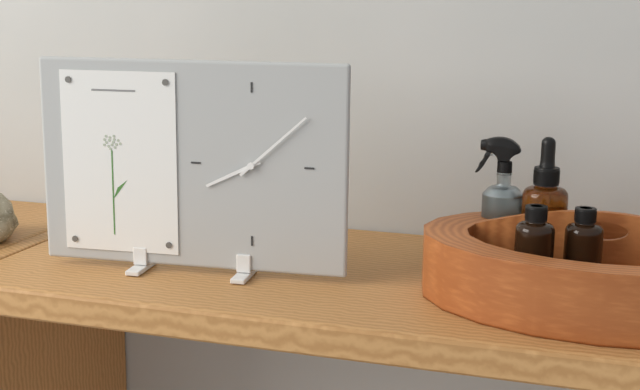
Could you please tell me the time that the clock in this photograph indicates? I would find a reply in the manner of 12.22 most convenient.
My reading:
8.08
